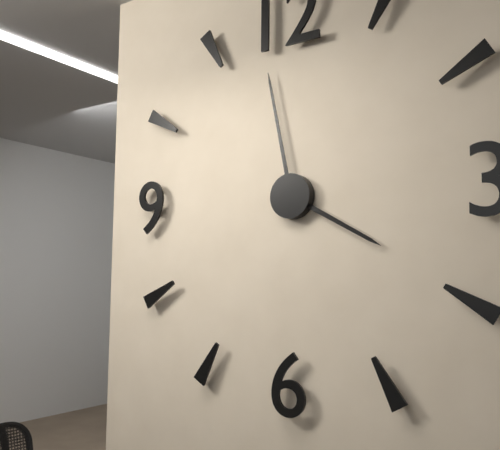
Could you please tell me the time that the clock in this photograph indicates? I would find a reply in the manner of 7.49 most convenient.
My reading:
3.58
